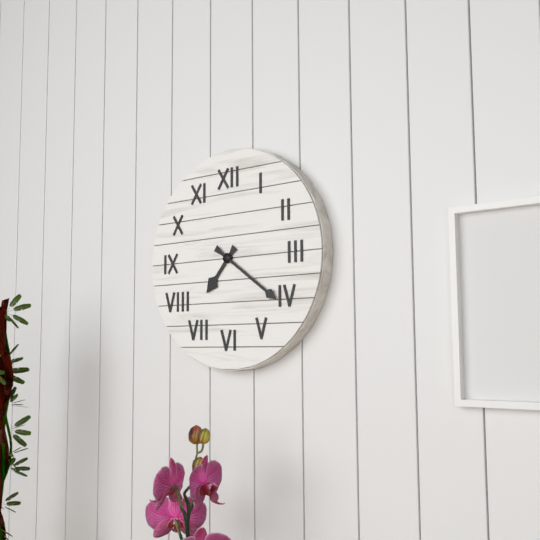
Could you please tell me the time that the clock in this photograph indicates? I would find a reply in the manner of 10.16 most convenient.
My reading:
7.21
